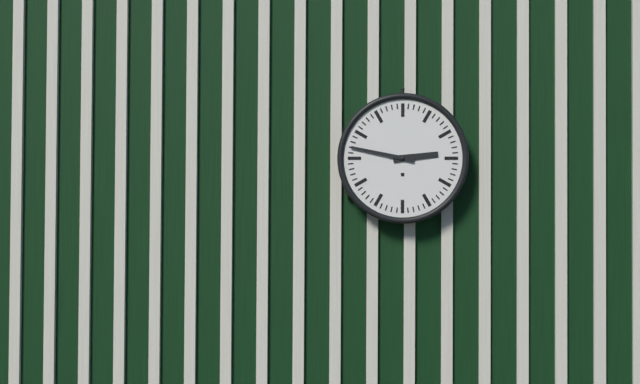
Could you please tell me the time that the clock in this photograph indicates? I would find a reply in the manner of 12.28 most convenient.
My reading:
2.47
